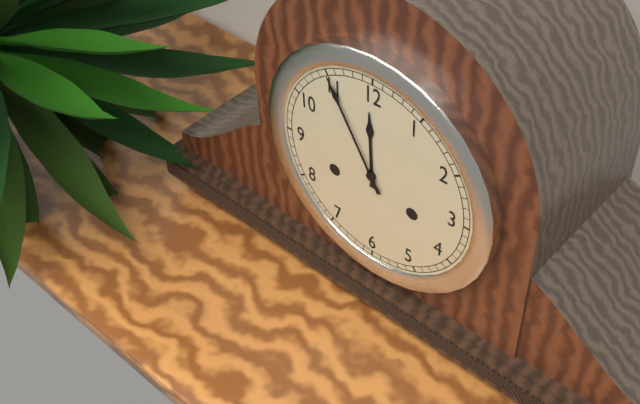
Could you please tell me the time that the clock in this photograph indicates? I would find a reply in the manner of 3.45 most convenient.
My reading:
11.55
